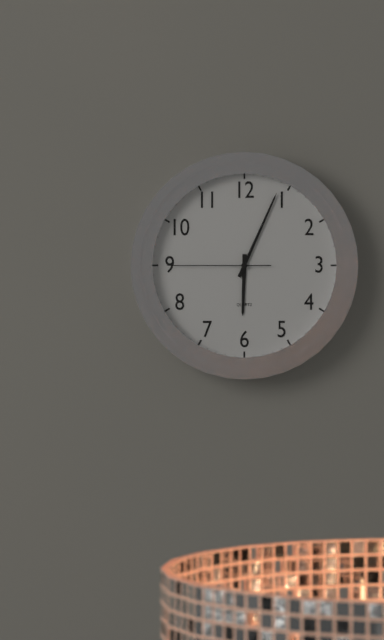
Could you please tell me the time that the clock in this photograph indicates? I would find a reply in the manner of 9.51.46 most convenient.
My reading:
6.04.45
